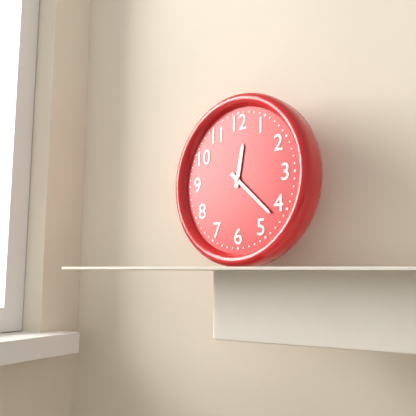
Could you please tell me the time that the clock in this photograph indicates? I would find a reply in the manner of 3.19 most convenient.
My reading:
12.22
